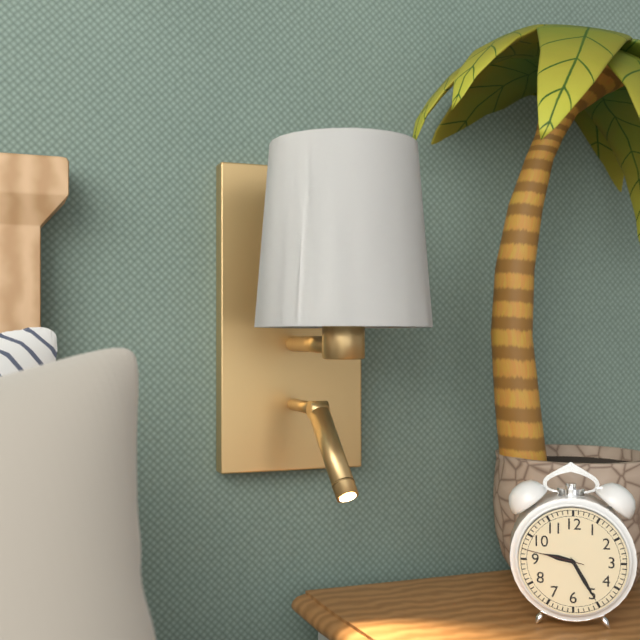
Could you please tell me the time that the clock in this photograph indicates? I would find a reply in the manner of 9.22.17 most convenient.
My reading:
9.25.47
